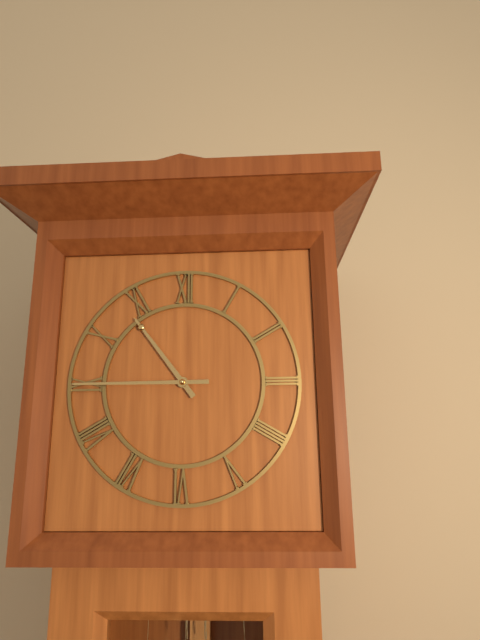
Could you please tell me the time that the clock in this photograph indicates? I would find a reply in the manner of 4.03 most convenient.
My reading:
10.45
